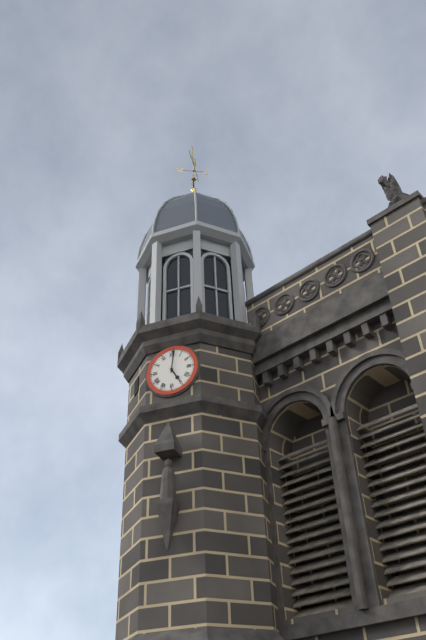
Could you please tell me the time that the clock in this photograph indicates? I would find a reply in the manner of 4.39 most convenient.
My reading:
5.01
